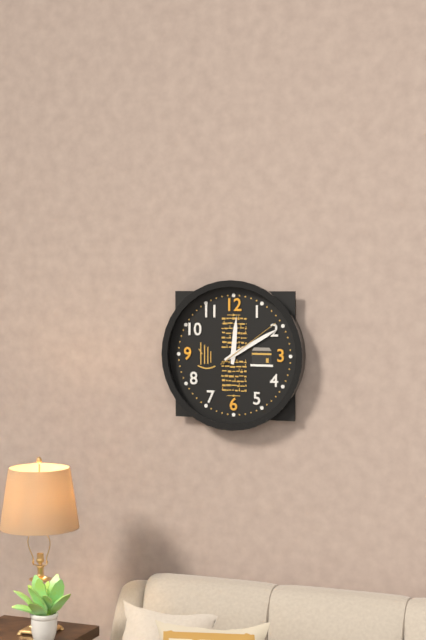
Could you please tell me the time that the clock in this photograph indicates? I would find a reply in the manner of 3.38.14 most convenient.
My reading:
12.10.09
